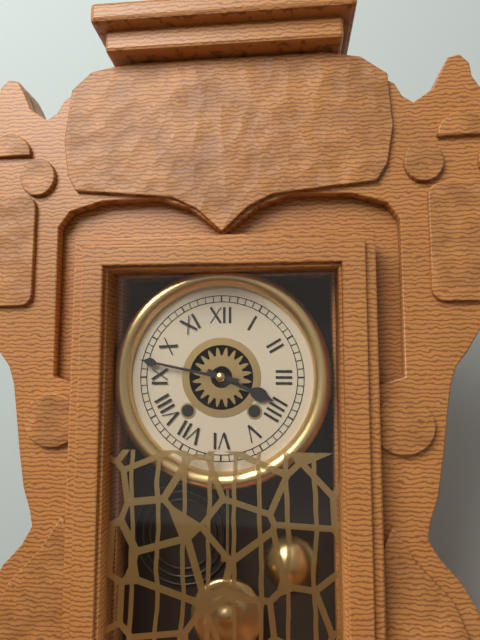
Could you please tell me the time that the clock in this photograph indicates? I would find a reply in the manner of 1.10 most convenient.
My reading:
3.47
